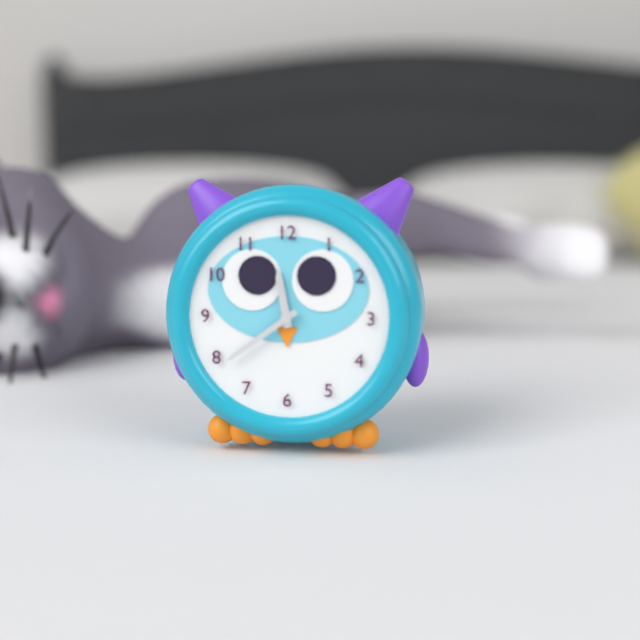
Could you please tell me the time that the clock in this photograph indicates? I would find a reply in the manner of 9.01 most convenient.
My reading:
11.39
